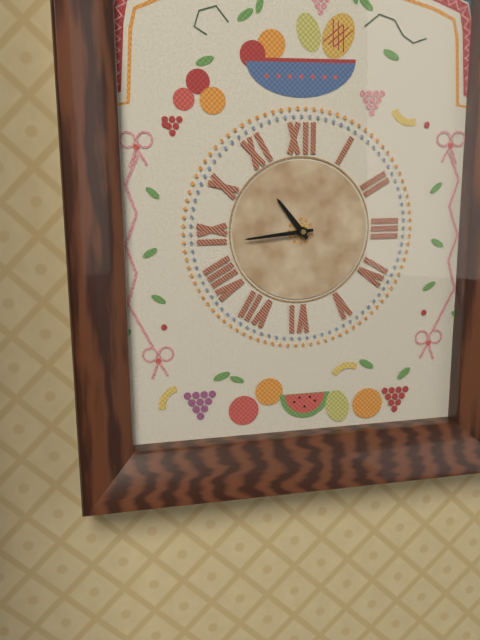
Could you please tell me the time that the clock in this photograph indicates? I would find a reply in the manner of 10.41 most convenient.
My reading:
10.44
